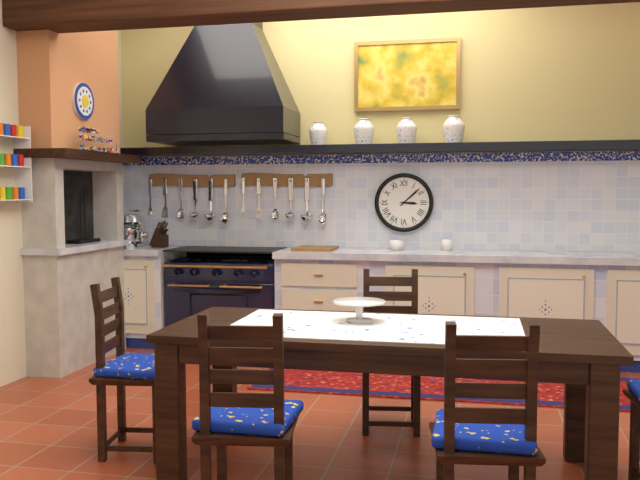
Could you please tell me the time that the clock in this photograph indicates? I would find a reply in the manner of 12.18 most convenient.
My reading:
3.08
